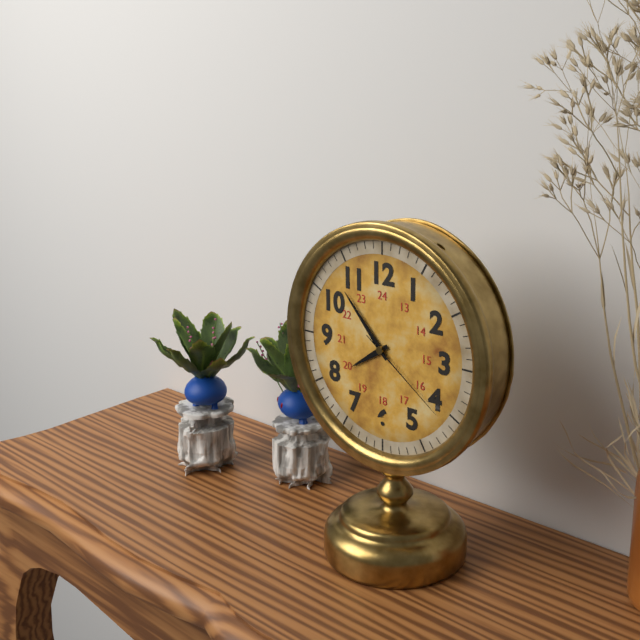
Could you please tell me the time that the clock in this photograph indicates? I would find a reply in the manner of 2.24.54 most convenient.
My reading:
7.53.21
